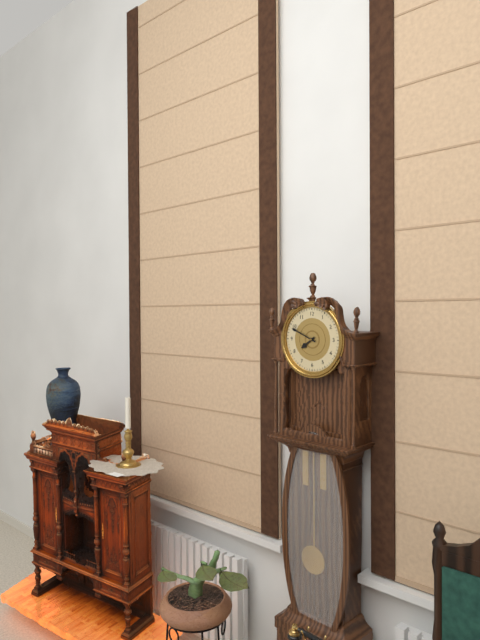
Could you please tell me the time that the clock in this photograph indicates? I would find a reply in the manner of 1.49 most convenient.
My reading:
7.49
